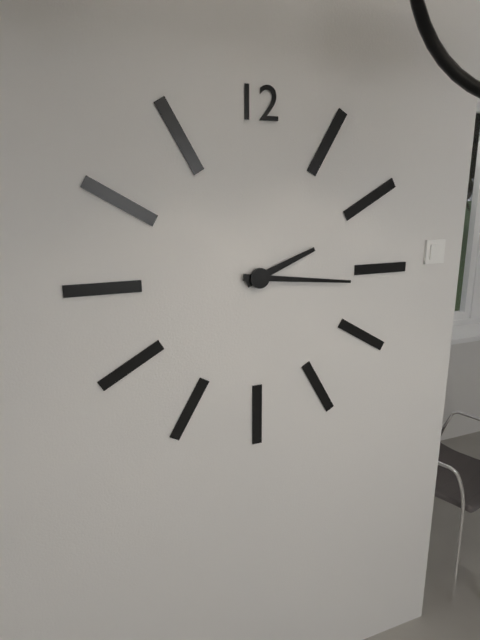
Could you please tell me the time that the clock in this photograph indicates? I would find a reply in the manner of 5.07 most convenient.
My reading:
2.16
